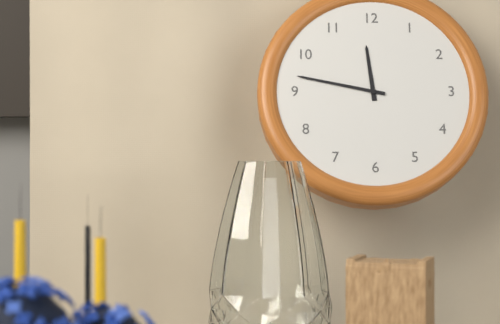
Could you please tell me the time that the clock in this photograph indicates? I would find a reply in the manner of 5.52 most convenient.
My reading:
11.47
